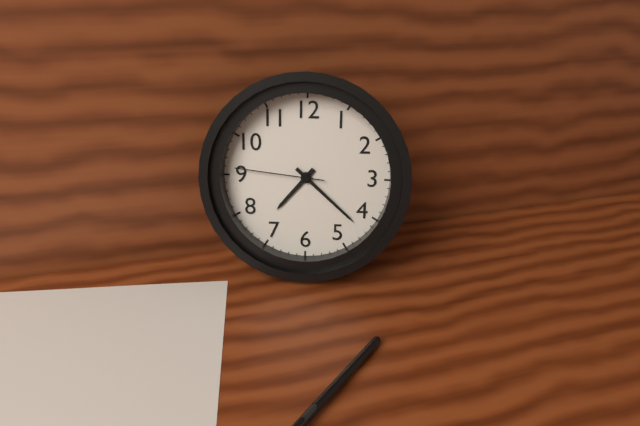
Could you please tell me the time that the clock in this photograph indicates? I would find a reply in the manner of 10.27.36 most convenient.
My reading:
7.22.46
